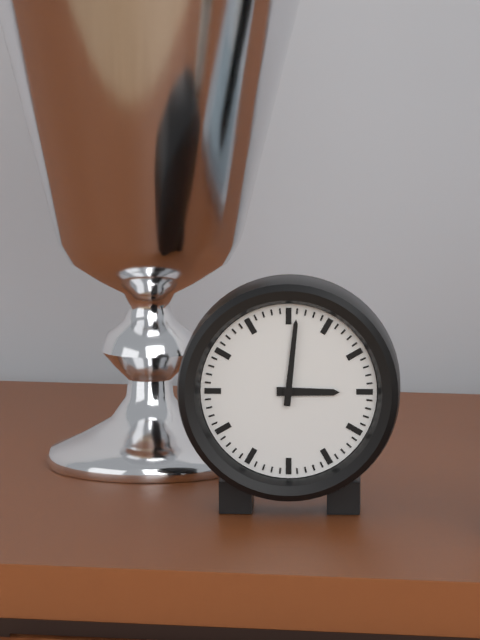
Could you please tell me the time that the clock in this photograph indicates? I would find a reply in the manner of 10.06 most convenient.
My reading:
3.01
